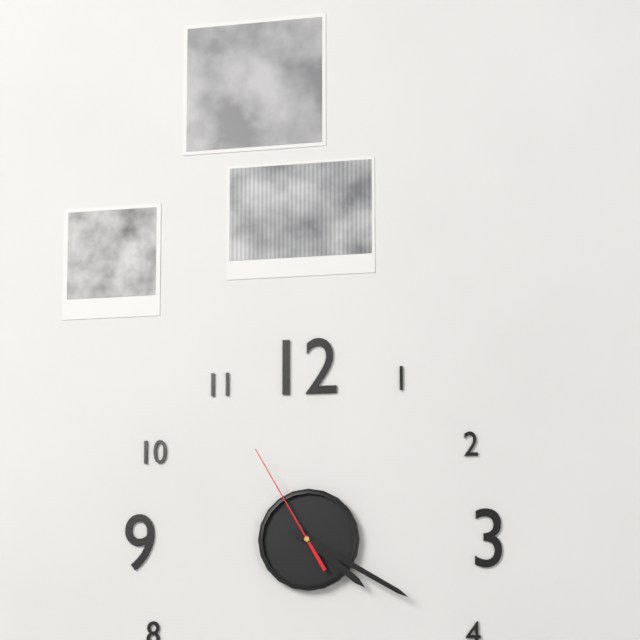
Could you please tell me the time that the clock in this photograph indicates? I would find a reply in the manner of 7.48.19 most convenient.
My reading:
4.20.55
